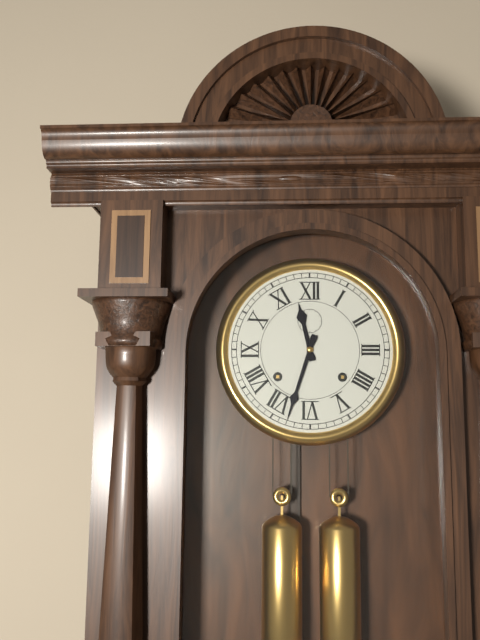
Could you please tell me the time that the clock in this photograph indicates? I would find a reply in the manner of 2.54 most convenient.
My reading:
11.33
